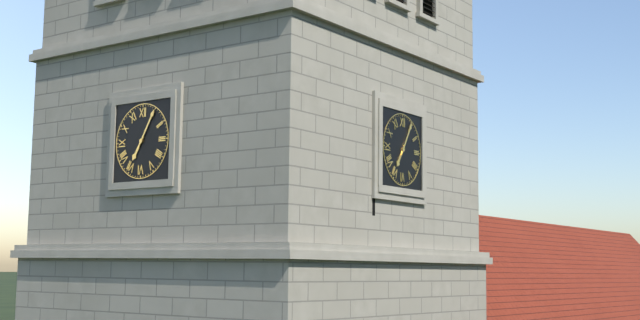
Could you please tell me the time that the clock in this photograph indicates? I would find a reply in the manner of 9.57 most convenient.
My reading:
7.05
